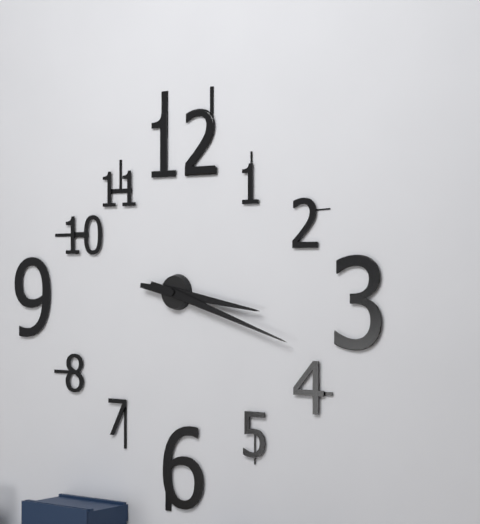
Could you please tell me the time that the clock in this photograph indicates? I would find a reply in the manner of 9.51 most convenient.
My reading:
3.18
